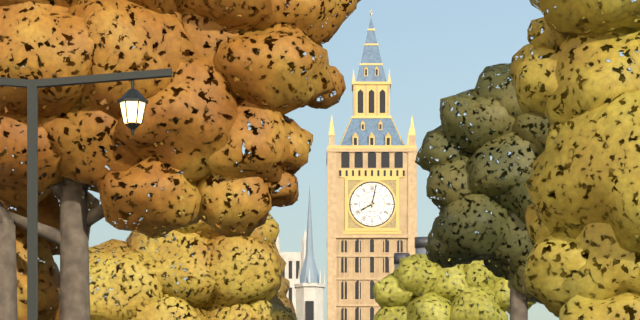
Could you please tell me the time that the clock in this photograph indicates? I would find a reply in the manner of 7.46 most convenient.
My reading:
8.02
